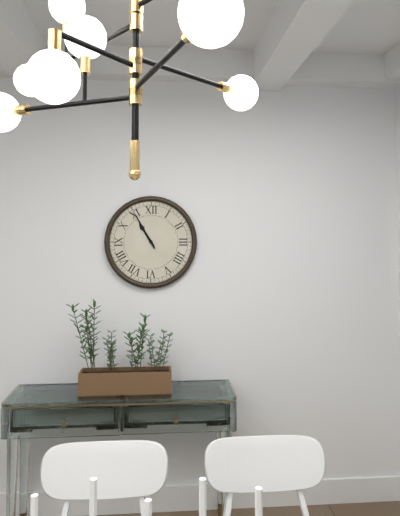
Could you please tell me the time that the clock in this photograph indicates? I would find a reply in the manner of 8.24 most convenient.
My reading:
10.55
